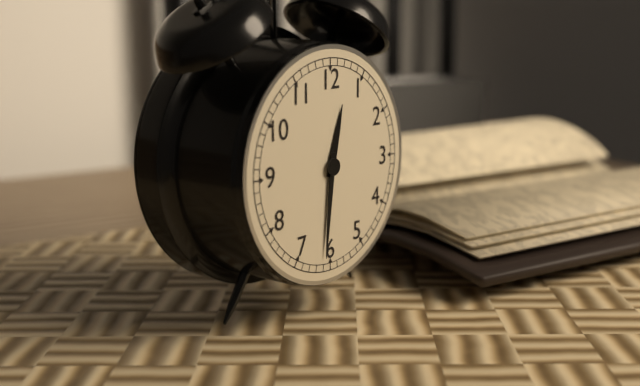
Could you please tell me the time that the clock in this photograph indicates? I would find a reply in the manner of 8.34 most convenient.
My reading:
12.31
